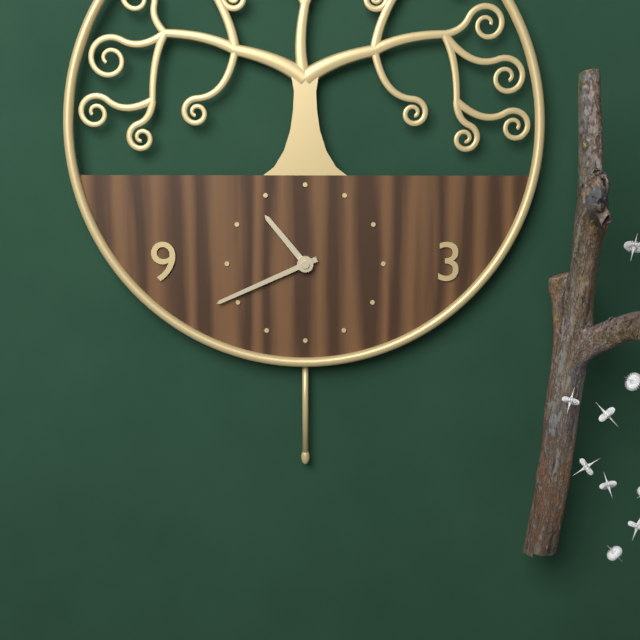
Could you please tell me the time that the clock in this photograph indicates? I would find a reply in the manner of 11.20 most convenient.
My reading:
10.41
